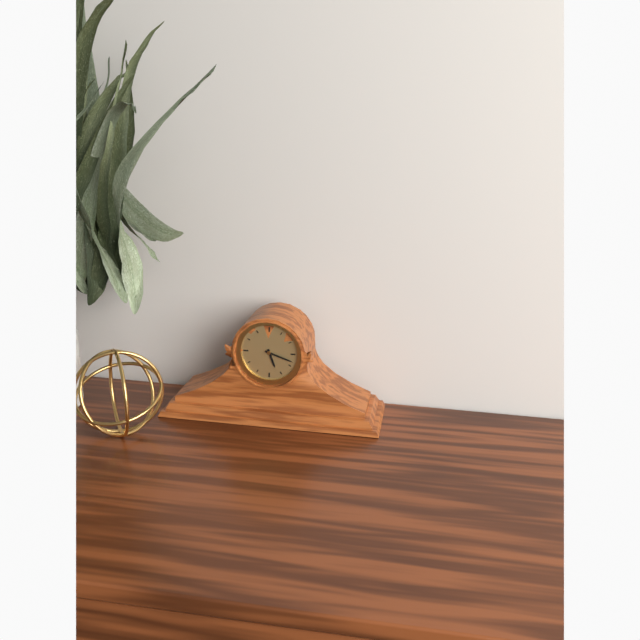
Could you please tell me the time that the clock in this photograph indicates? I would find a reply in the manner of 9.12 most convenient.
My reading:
5.18
